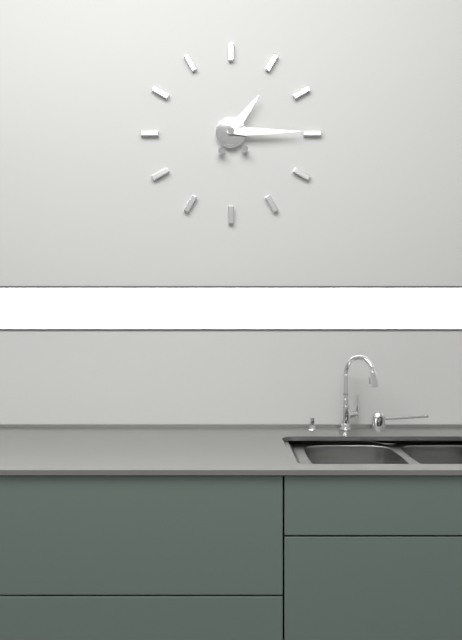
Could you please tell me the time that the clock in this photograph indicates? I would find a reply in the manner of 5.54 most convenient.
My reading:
1.15
